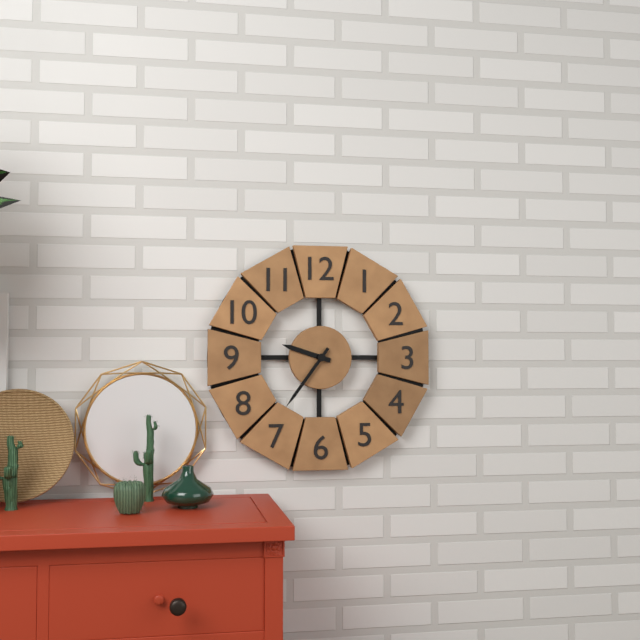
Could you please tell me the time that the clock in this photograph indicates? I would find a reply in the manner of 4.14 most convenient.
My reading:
9.36
